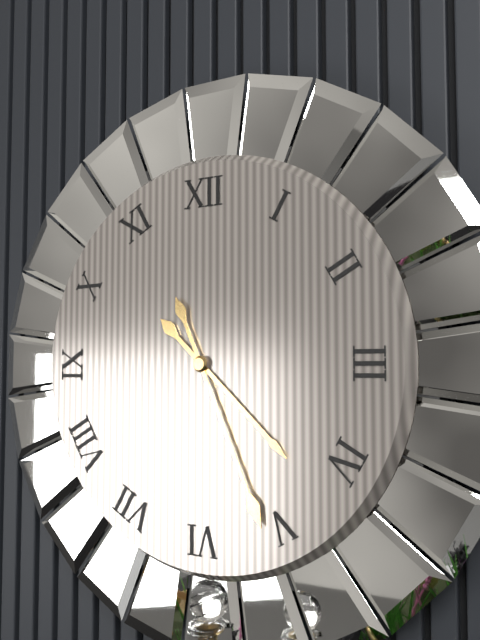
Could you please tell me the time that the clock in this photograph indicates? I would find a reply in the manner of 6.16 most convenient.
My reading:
4.26
